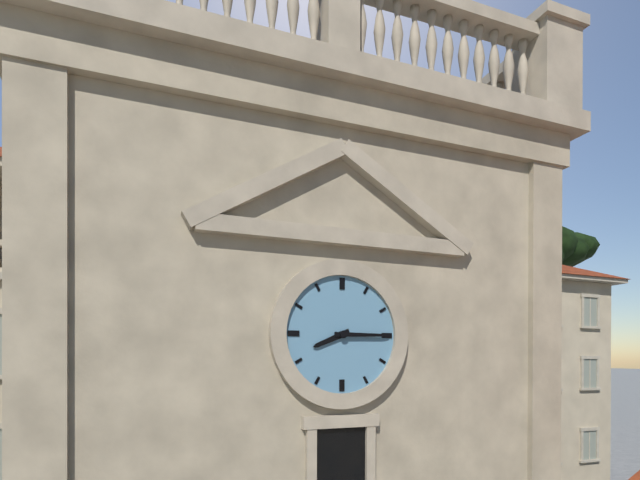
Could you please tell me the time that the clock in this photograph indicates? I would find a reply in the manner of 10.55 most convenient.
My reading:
8.15
